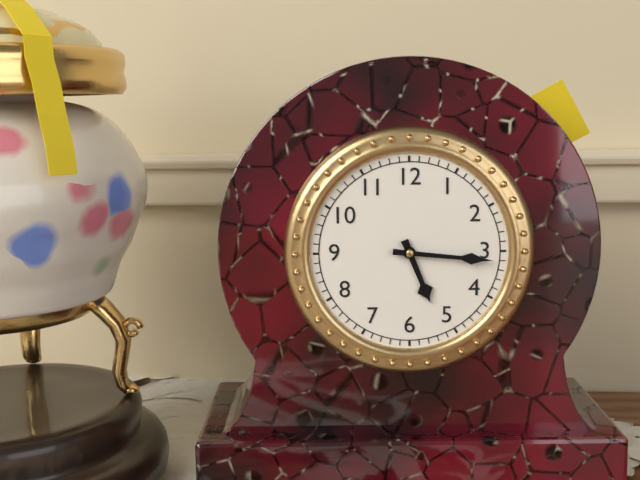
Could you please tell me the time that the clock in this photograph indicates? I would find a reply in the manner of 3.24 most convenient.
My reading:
5.16
